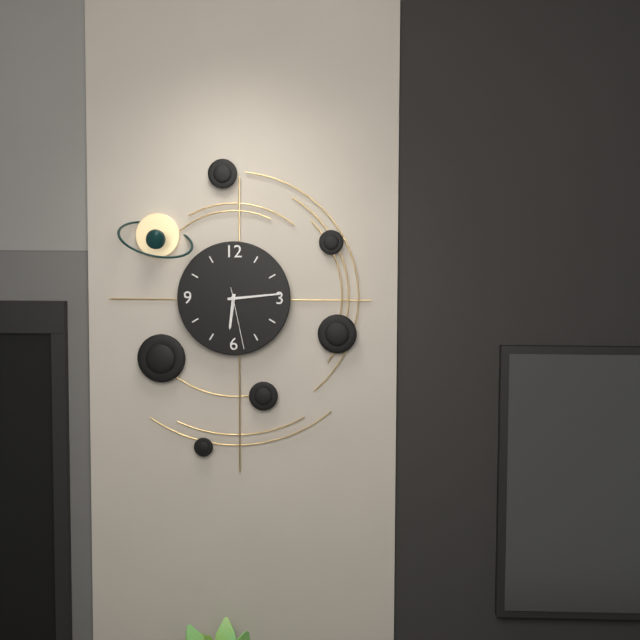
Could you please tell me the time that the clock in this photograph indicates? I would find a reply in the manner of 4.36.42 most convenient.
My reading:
6.14.28
